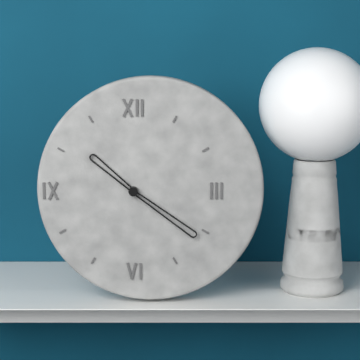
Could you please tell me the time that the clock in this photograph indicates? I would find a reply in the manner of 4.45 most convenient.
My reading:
10.21
